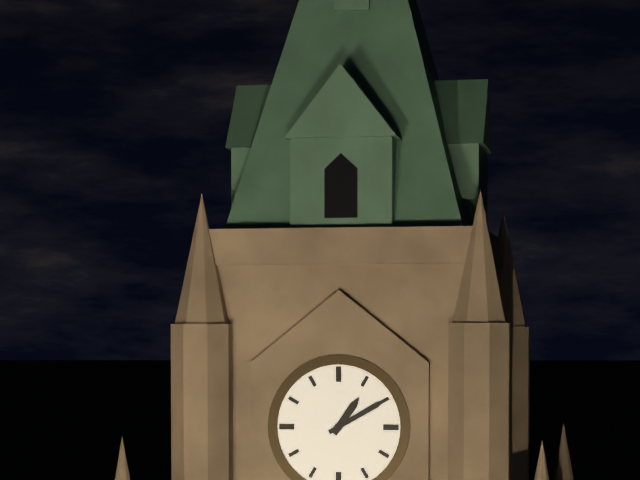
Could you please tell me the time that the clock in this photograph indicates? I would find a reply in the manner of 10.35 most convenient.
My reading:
1.10
